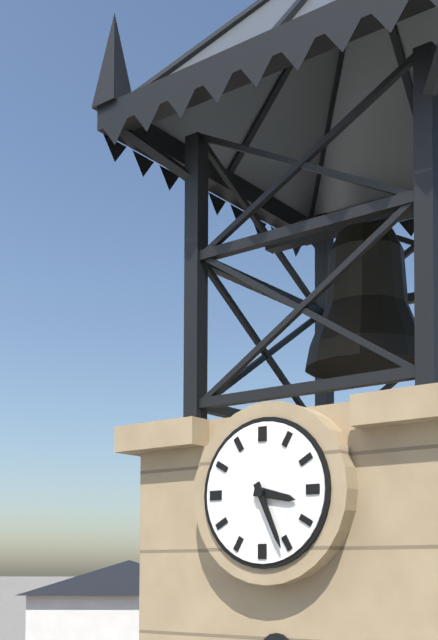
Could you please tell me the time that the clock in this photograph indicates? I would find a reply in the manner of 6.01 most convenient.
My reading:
3.26
